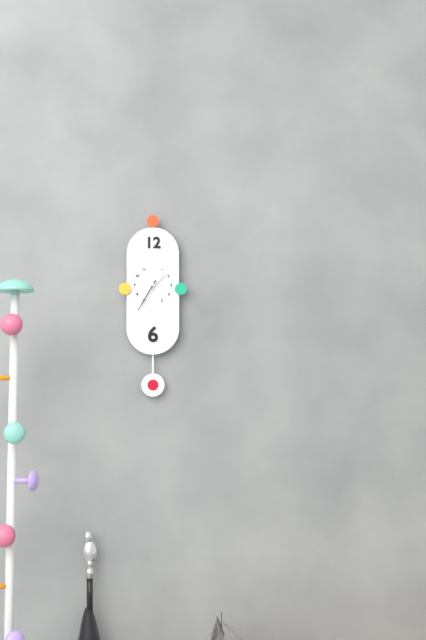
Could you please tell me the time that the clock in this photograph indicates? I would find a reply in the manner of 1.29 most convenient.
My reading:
1.35
